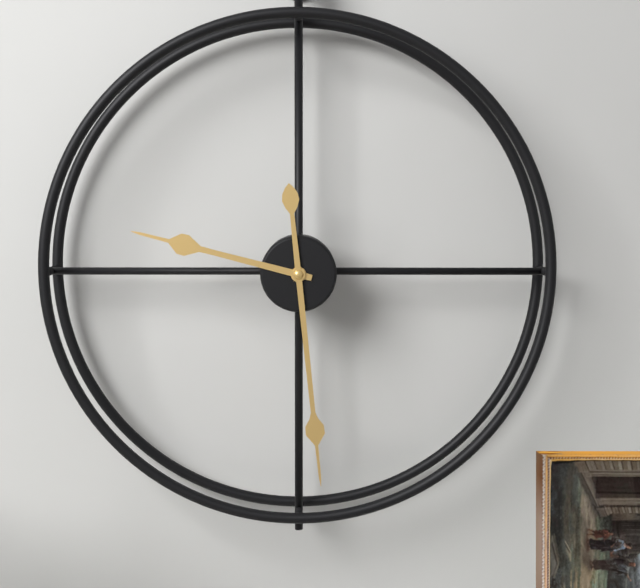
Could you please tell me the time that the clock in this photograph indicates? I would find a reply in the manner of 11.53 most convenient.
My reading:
9.29
